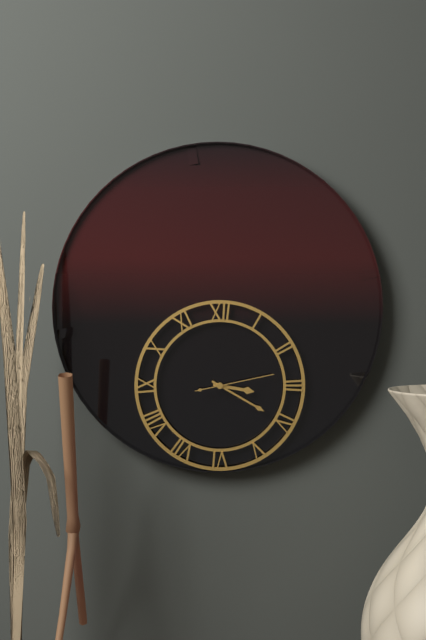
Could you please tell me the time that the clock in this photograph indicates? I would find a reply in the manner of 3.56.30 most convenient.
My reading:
3.20.13
